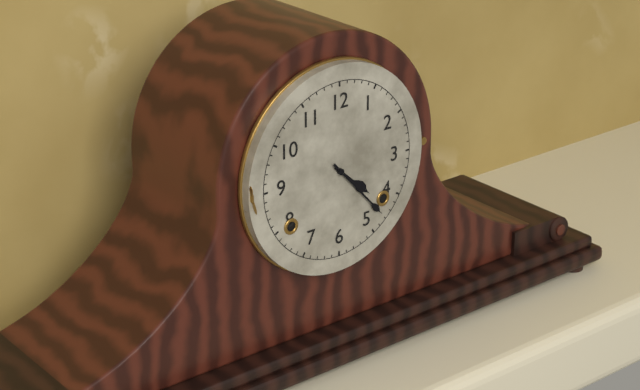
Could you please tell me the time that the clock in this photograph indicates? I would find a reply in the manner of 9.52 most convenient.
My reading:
4.23
